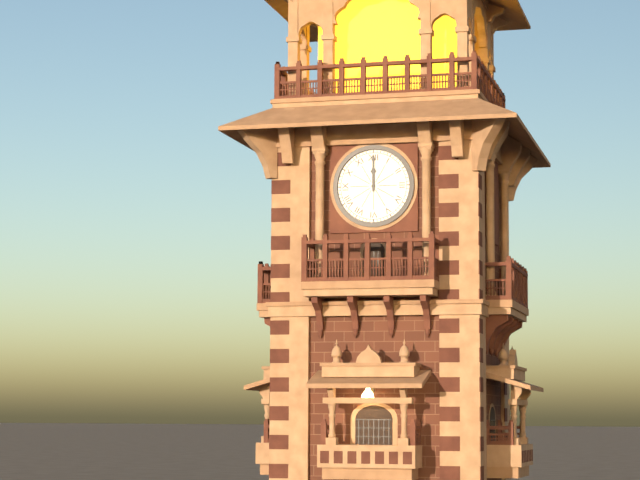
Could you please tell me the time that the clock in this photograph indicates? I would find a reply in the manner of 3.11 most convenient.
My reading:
12.00
